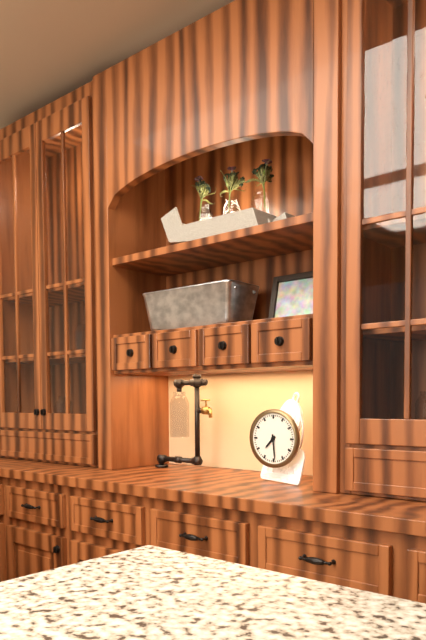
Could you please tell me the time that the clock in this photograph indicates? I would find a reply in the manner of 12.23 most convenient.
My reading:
7.29
